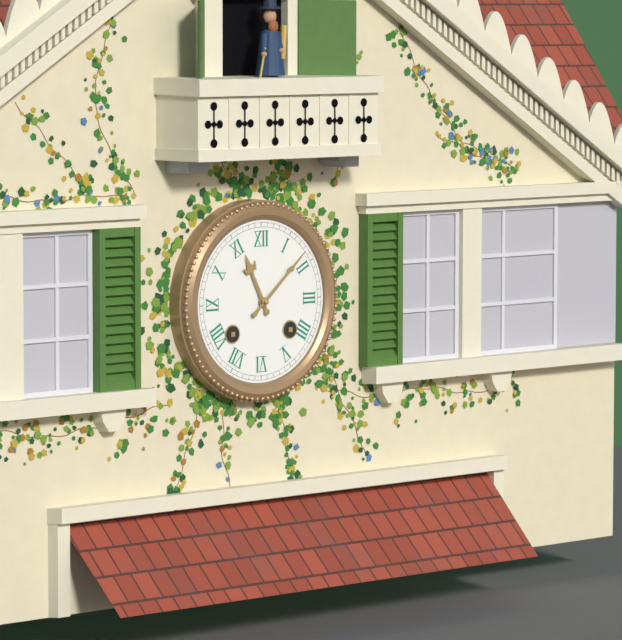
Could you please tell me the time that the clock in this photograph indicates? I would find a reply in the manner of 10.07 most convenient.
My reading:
11.08
